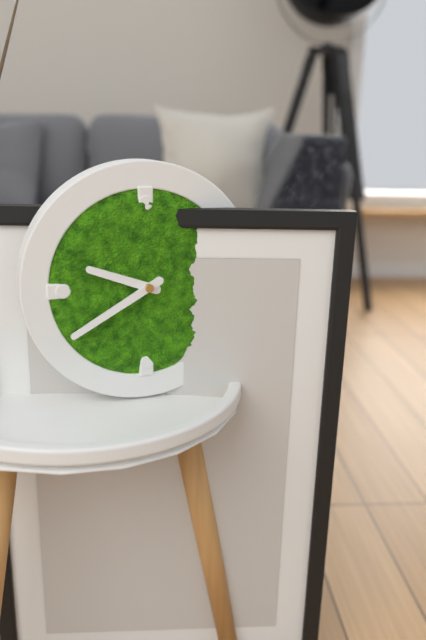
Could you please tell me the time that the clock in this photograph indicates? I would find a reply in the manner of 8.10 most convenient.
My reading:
9.40
